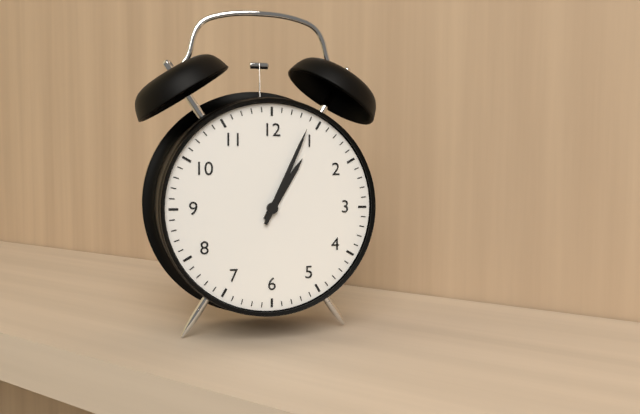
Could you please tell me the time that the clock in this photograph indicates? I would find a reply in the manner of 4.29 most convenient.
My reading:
1.04
